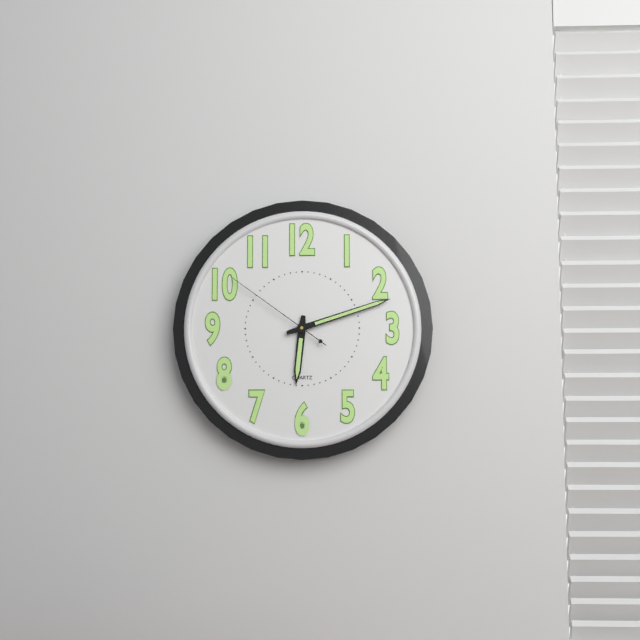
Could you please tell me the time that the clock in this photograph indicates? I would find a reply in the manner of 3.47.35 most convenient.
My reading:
6.12.51
